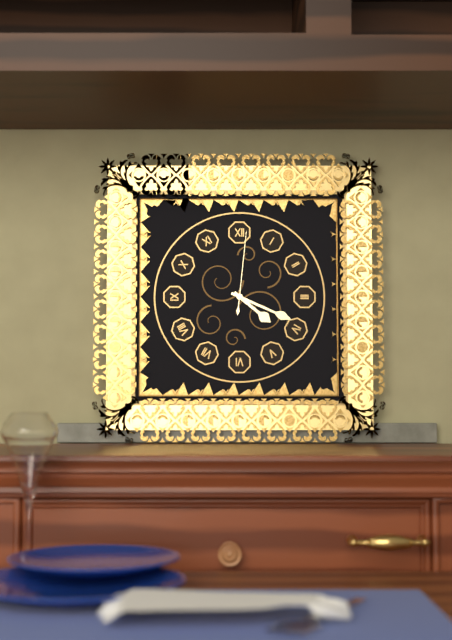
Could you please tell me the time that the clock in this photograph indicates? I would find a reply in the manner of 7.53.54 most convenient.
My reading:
4.19.01
